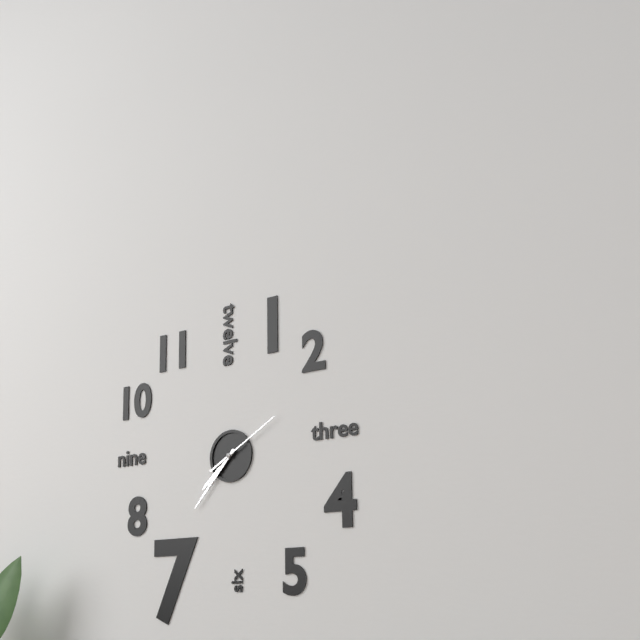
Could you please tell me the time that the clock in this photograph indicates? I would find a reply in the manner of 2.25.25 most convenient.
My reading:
7.37.10
